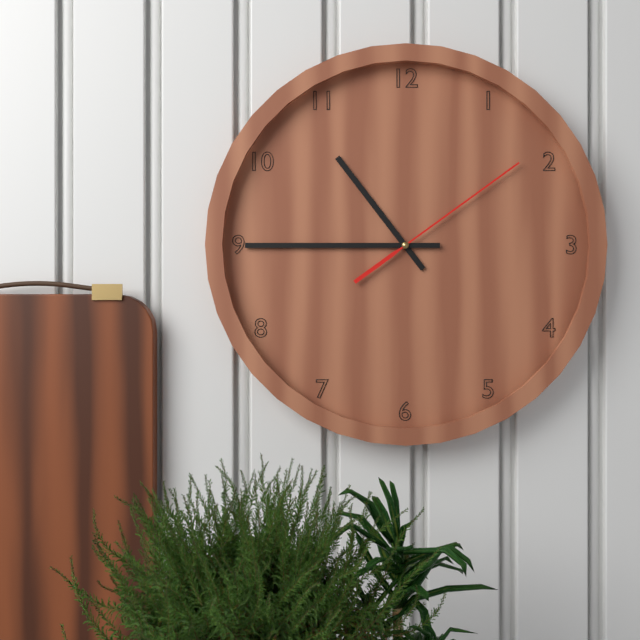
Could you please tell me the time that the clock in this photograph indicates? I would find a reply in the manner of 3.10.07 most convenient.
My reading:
10.45.09
